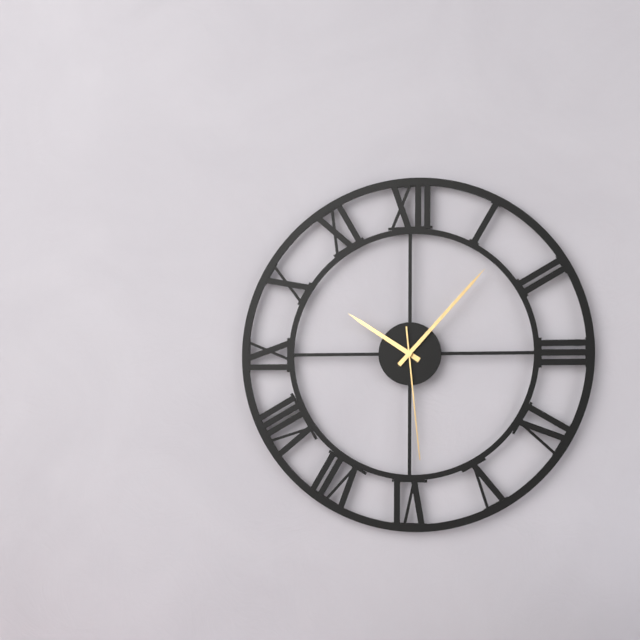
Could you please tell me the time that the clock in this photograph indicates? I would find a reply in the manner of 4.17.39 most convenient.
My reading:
10.07.29
